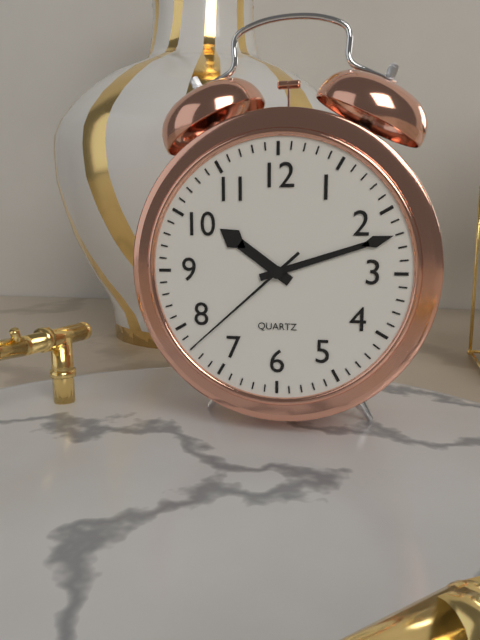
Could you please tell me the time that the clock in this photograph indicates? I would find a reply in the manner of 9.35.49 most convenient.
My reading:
10.12.38
